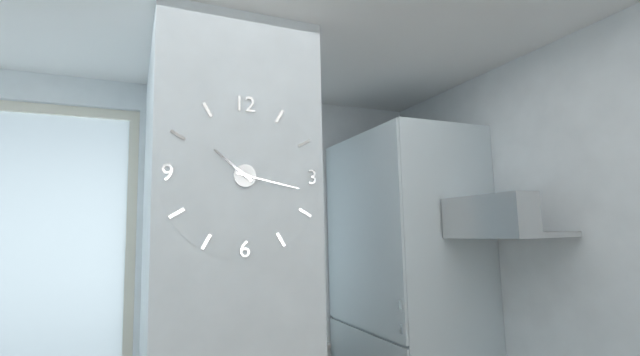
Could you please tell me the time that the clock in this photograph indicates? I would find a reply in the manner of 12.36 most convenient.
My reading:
10.17
